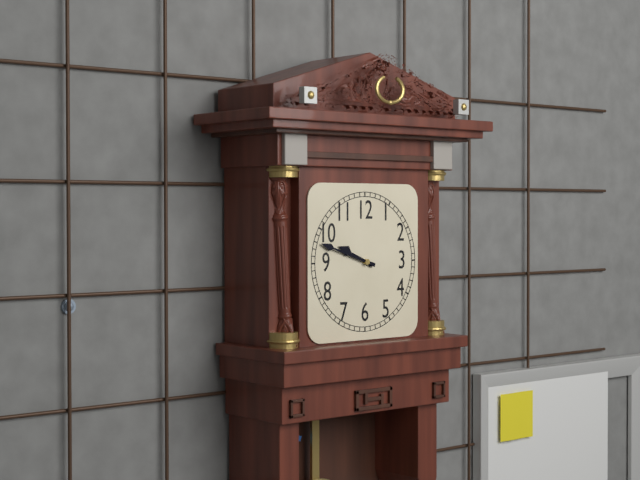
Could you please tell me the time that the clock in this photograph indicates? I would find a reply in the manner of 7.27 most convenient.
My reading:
9.48
